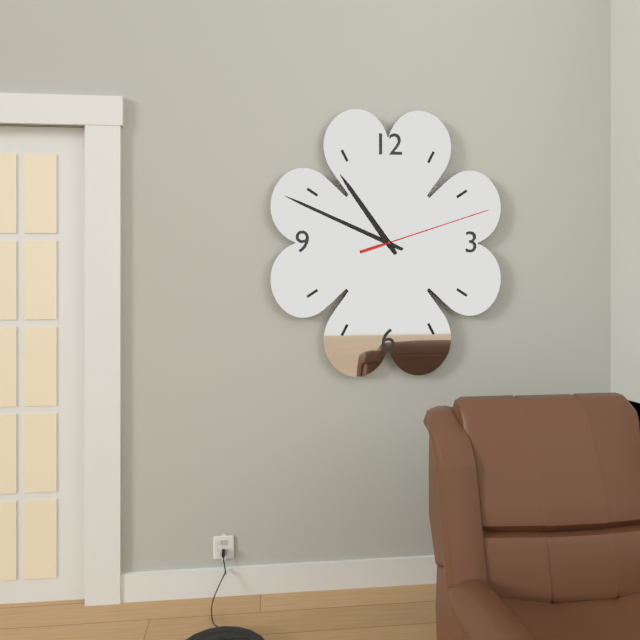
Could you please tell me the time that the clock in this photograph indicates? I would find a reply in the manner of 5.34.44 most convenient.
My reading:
10.49.12
